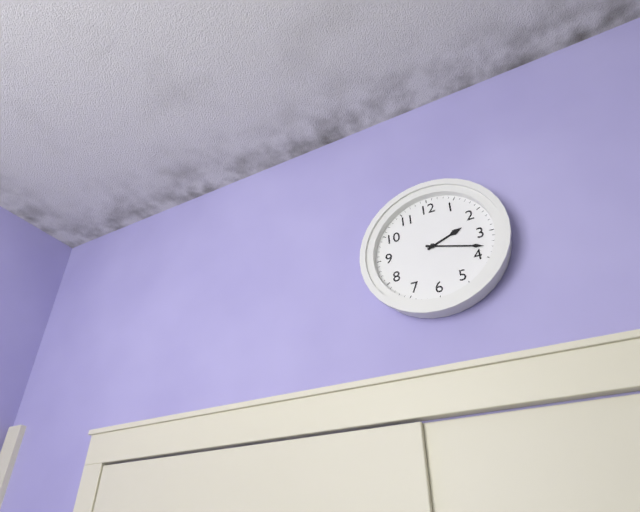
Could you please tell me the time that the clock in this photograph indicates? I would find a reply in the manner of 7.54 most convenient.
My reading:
2.18
